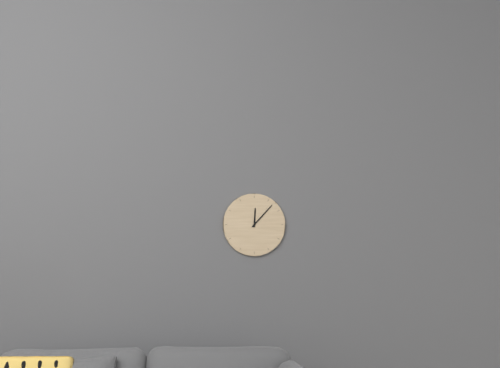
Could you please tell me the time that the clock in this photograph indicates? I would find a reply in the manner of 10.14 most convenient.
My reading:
12.07
